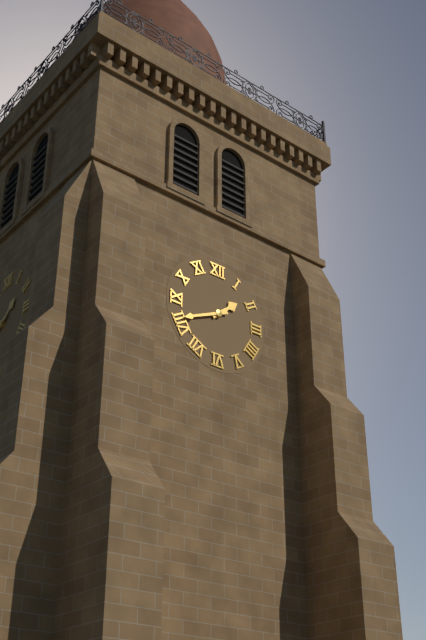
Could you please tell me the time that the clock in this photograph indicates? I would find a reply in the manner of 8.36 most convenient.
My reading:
1.41
